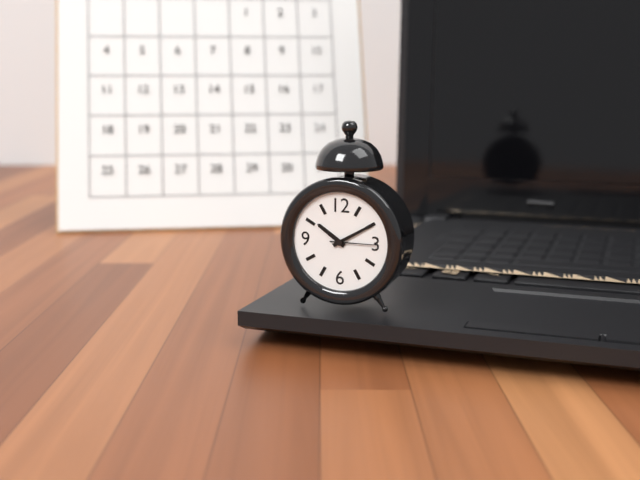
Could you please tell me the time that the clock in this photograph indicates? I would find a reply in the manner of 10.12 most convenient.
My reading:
10.10
